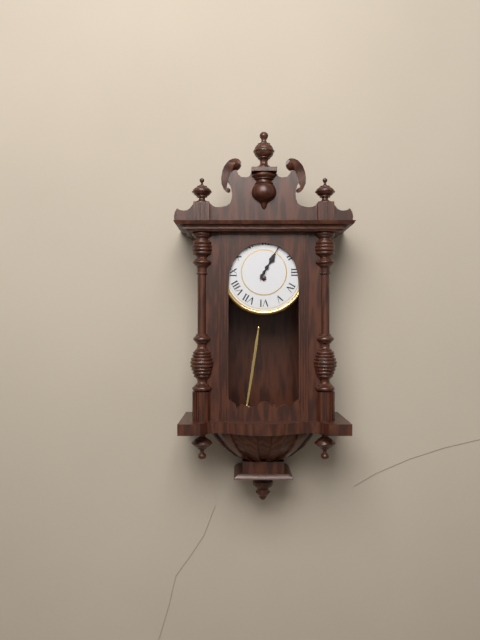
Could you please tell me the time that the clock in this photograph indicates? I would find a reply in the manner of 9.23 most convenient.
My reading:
1.05
